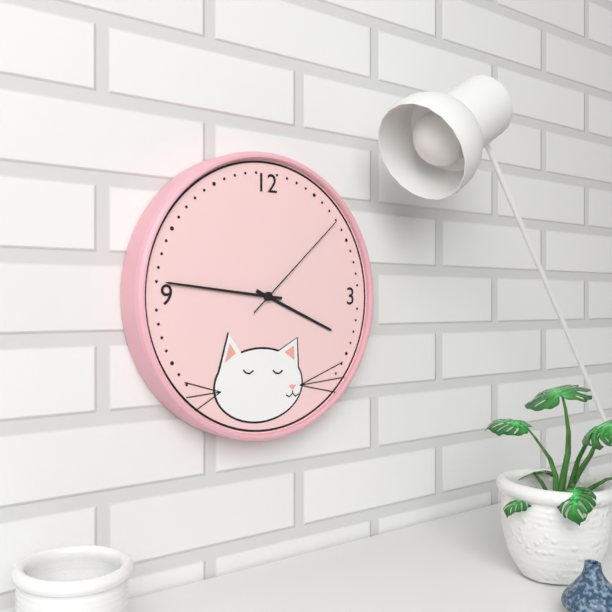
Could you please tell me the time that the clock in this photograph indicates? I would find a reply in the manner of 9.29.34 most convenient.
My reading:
3.46.08
